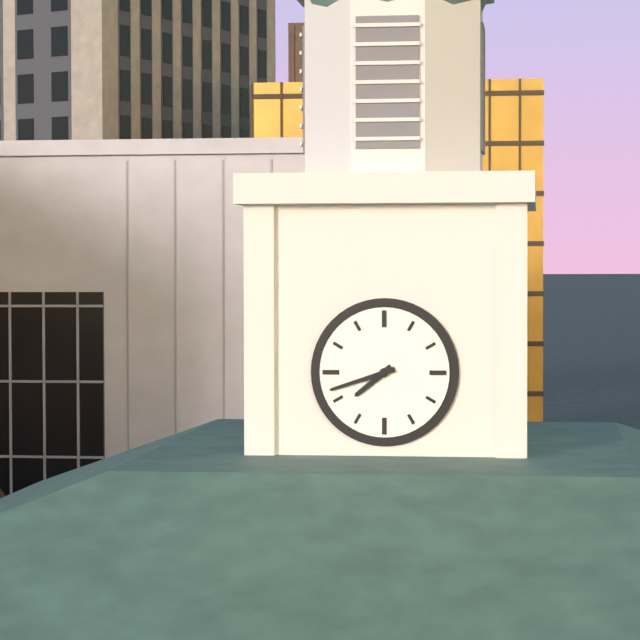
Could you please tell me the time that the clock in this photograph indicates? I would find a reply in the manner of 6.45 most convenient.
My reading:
7.42
